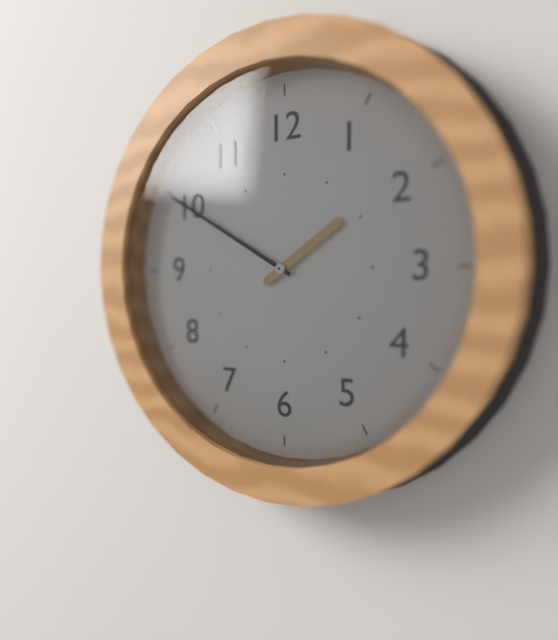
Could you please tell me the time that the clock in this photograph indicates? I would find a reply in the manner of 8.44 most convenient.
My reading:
1.50
